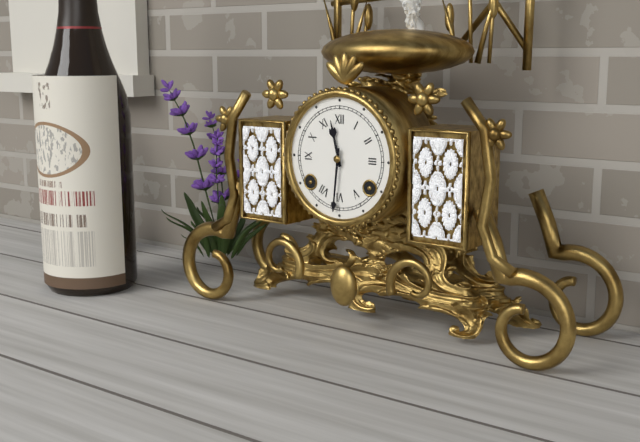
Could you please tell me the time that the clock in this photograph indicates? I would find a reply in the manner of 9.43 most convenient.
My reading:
11.31
